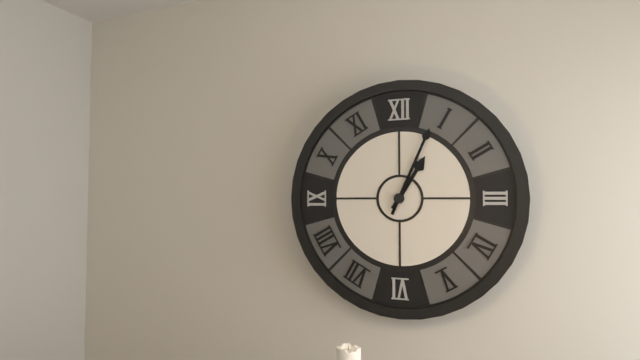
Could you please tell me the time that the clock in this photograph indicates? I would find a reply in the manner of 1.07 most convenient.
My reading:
1.04
